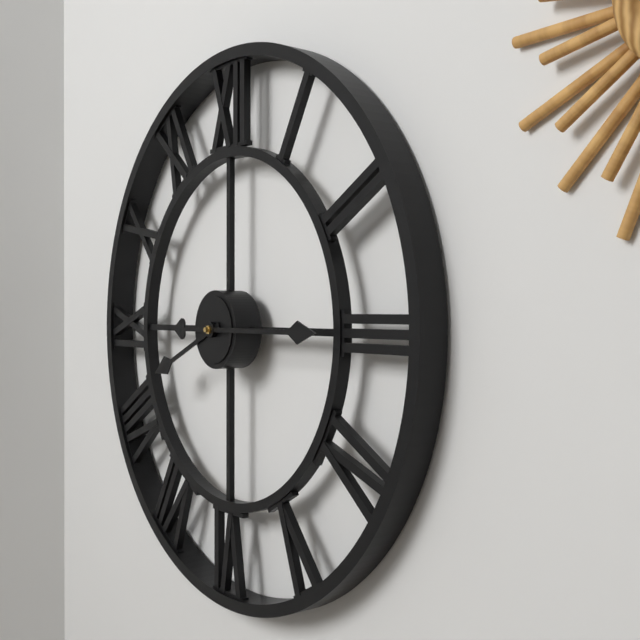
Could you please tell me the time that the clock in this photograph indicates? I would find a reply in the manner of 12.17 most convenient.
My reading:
8.15
